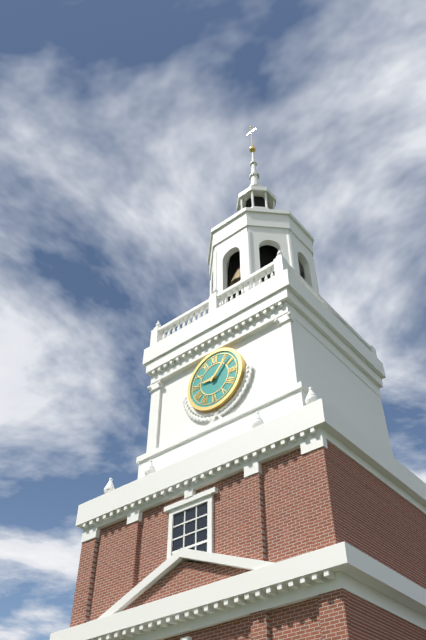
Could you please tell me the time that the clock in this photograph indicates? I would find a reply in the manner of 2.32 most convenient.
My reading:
9.07
